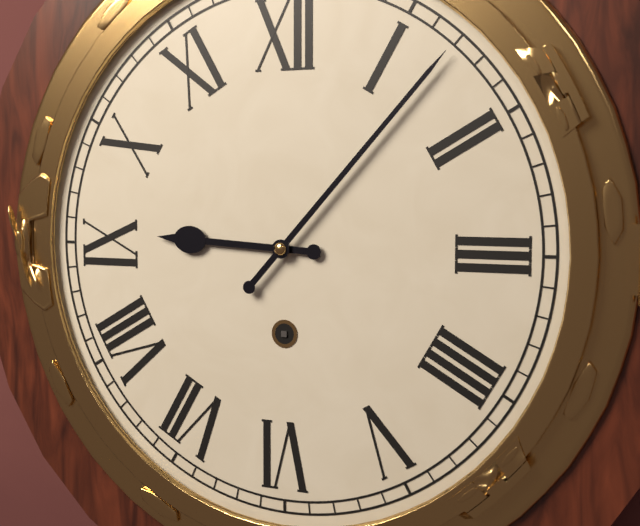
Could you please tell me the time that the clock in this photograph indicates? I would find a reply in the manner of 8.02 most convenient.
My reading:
9.07
